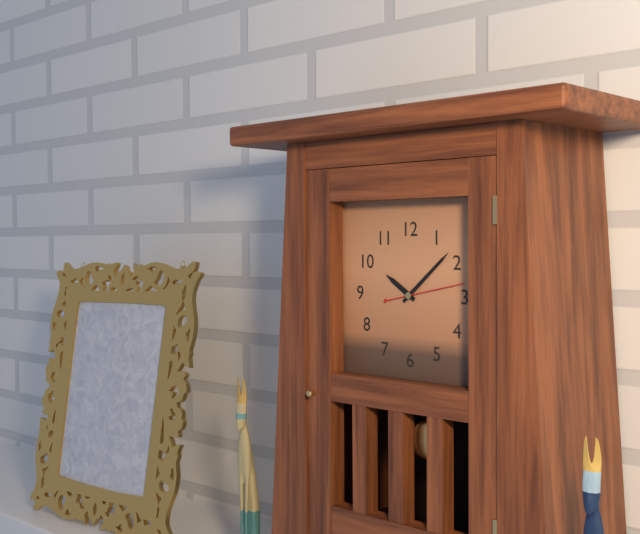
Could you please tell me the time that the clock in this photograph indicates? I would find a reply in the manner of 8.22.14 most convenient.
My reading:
10.08.13
